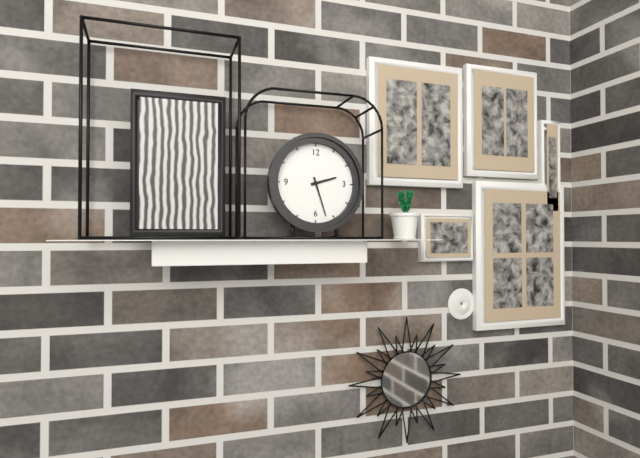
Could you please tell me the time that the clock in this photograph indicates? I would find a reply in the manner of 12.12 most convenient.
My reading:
2.27
